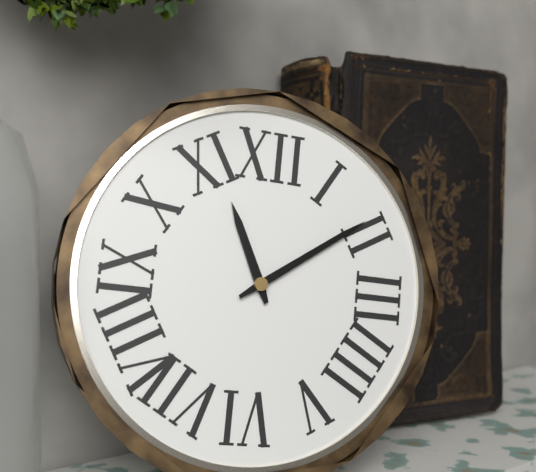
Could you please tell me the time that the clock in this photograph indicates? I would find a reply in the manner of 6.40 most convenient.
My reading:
11.09
